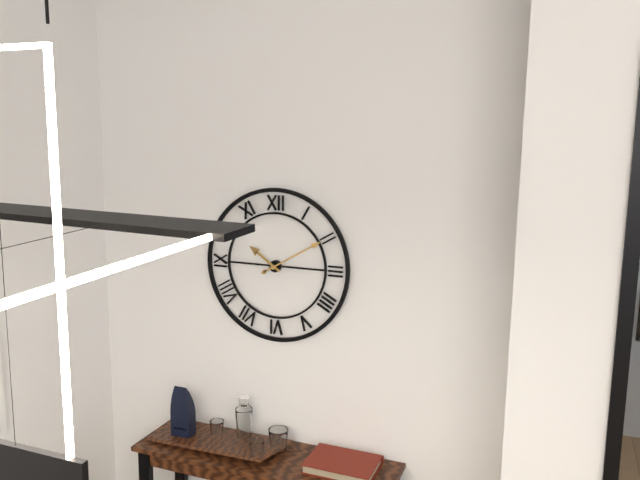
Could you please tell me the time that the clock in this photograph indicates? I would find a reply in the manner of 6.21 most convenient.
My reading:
10.10
